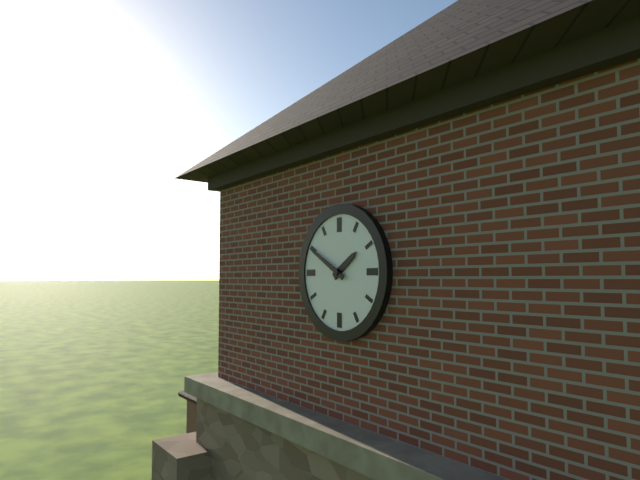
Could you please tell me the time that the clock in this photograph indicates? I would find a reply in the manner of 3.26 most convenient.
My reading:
1.50
